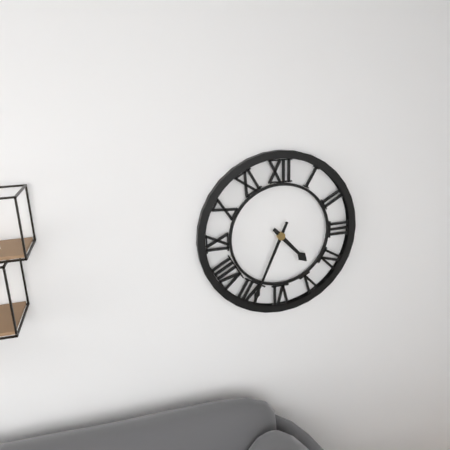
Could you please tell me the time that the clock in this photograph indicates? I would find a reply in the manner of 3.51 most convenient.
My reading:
4.34
